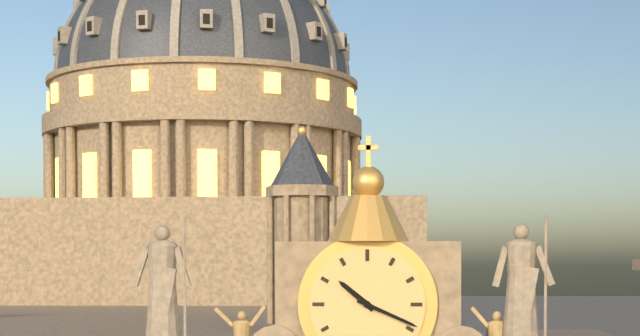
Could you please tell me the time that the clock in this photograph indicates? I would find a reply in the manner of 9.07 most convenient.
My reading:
10.19
